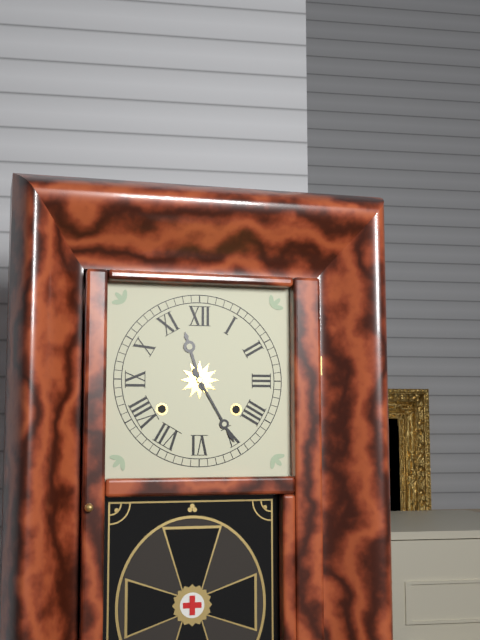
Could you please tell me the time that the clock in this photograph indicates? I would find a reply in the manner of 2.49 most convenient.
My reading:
11.25
